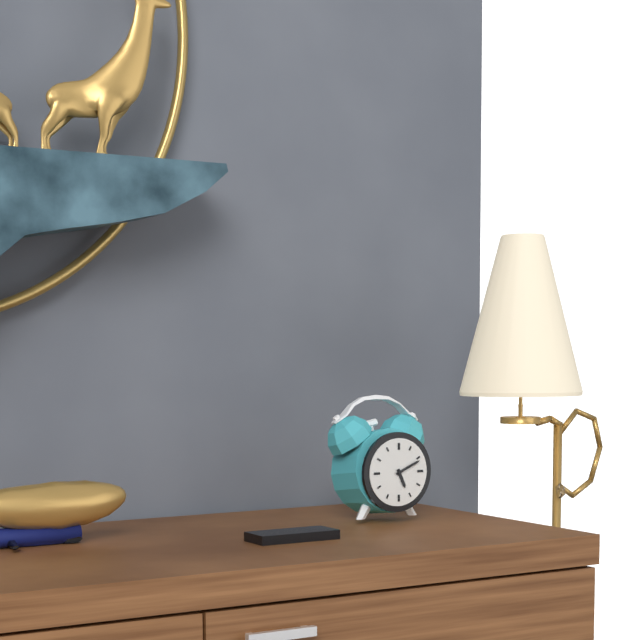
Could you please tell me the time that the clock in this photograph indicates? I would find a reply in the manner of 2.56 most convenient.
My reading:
5.11
